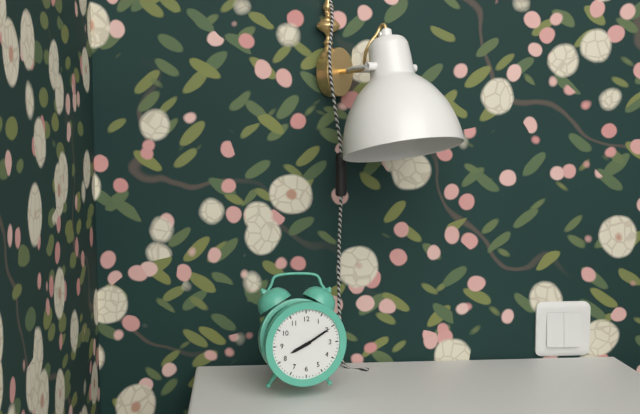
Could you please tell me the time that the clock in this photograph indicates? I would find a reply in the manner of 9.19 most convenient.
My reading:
8.10
